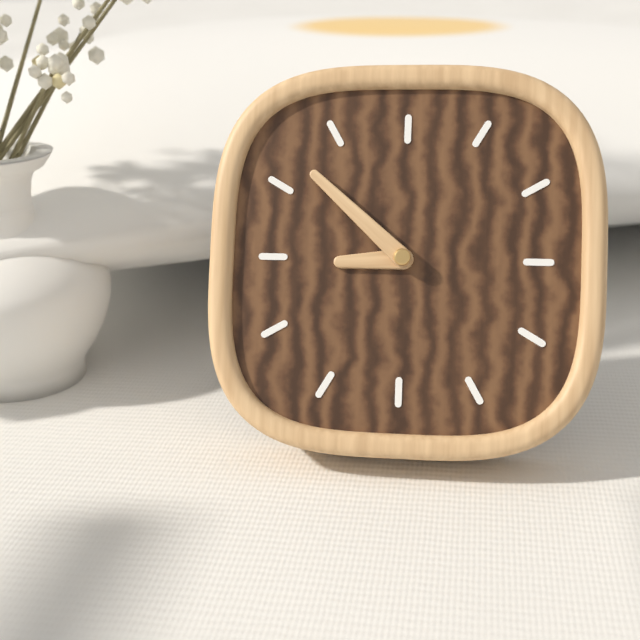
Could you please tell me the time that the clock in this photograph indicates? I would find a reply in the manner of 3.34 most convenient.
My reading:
8.52
